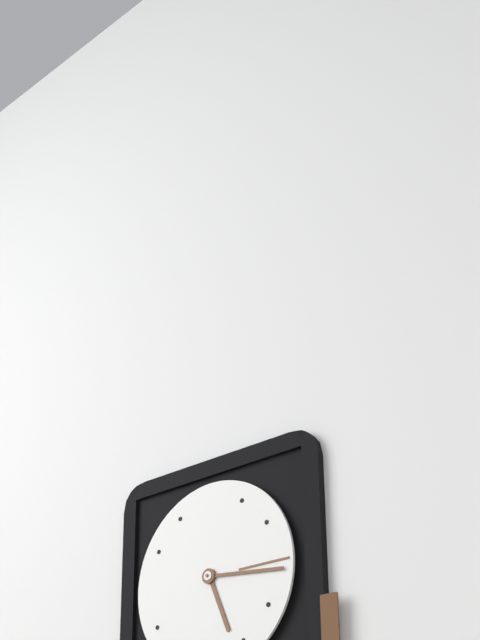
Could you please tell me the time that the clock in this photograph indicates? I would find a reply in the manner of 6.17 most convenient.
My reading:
5.16
